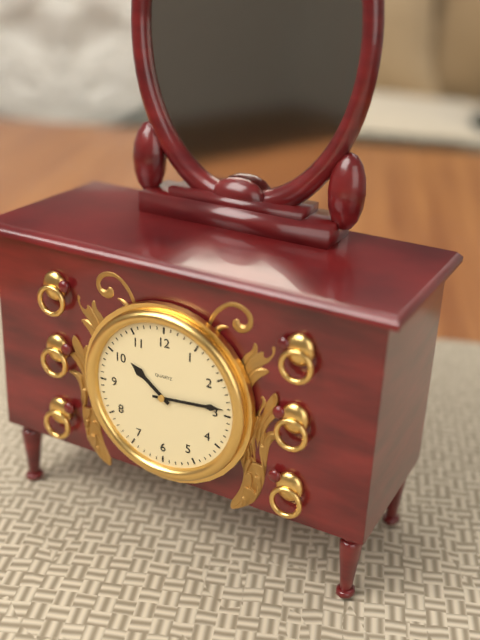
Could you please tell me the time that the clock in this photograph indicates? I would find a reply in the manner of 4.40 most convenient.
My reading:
10.14
